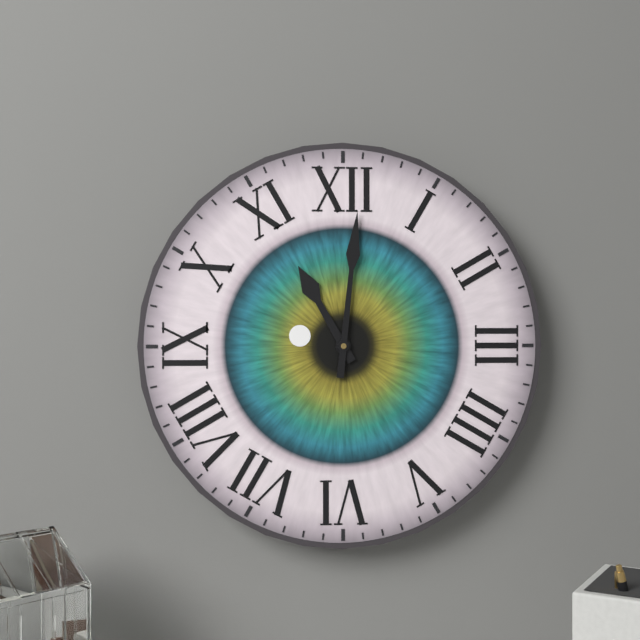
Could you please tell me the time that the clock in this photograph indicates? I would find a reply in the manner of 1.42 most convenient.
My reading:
11.01
